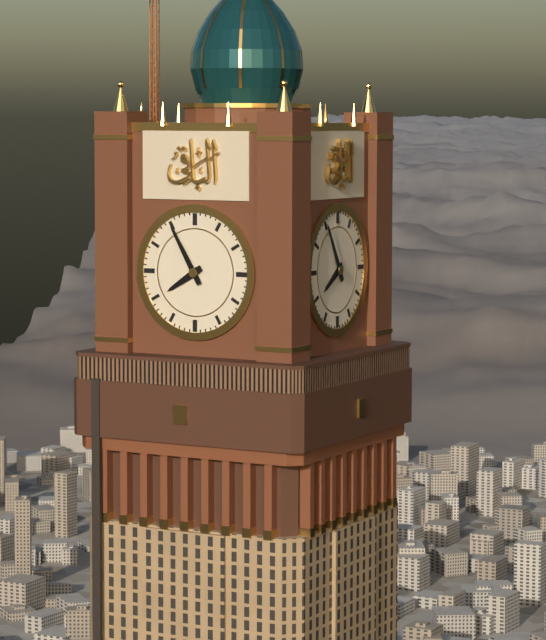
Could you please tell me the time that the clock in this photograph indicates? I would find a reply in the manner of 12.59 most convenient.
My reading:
7.55
